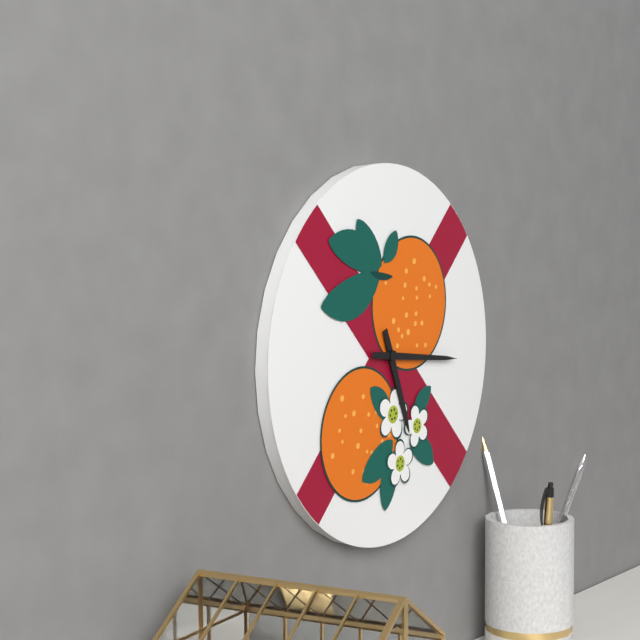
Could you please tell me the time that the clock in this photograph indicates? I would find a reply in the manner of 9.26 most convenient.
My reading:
5.16
